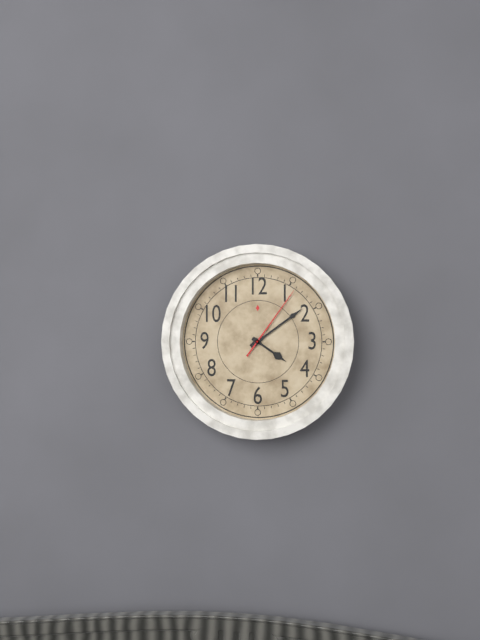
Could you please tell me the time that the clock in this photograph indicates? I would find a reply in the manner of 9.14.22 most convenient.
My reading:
4.09.06
